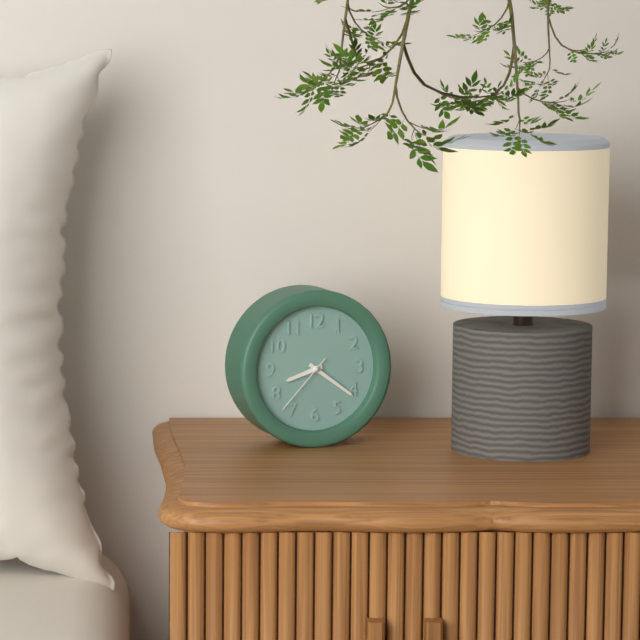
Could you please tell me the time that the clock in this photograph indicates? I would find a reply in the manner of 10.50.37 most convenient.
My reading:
8.21.37
